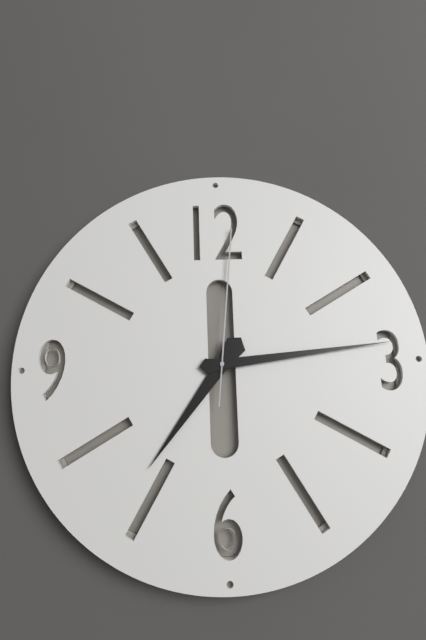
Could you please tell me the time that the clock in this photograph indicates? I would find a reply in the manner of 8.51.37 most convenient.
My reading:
7.14.01
